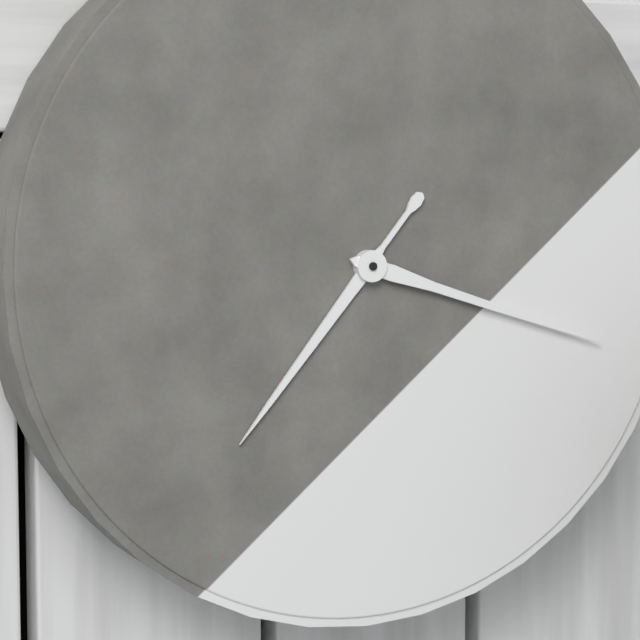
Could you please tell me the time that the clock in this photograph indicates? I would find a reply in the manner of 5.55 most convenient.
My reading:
7.18
